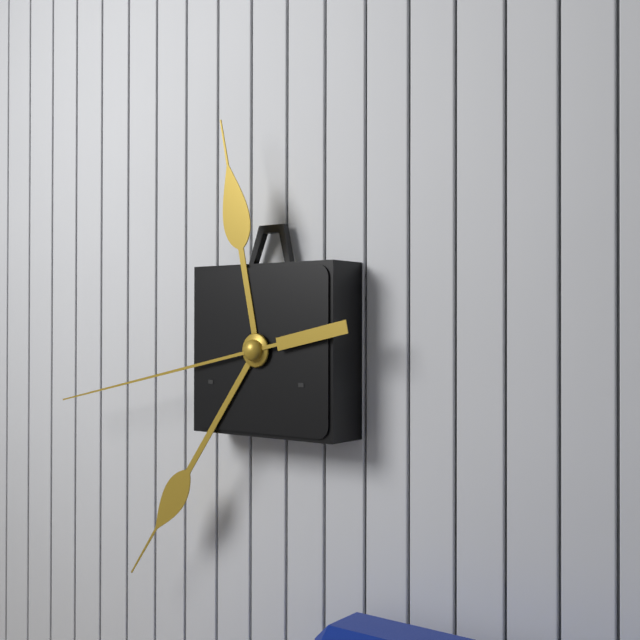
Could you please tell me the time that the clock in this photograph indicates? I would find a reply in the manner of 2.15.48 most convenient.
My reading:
11.36.43
